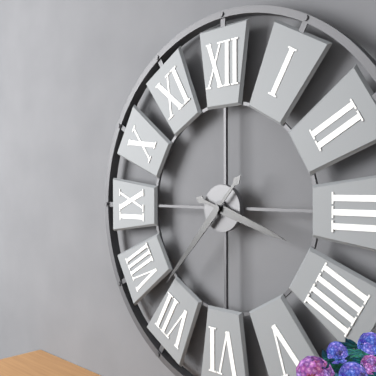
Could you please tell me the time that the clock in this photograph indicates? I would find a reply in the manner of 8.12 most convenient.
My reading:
3.37
